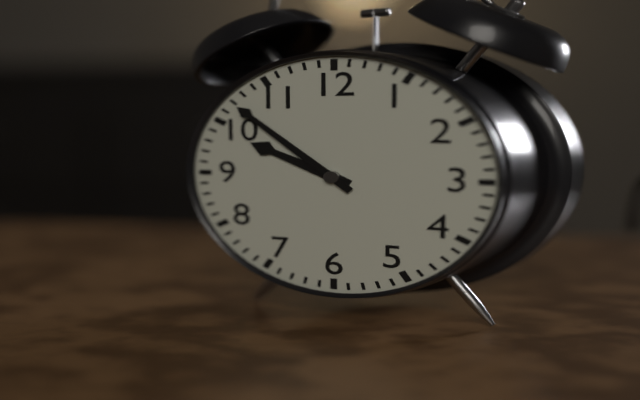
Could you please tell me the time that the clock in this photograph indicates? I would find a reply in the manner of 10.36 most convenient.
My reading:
9.52
